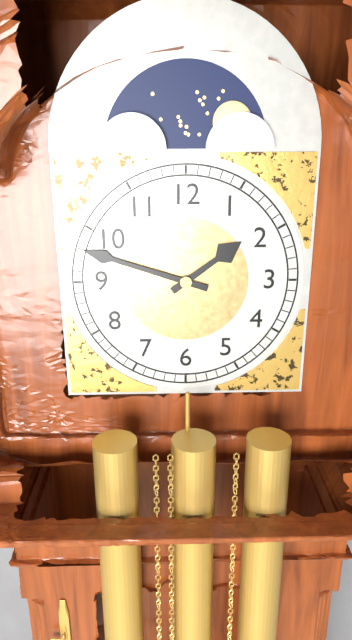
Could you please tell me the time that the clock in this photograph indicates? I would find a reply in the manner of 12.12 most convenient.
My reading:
1.48
